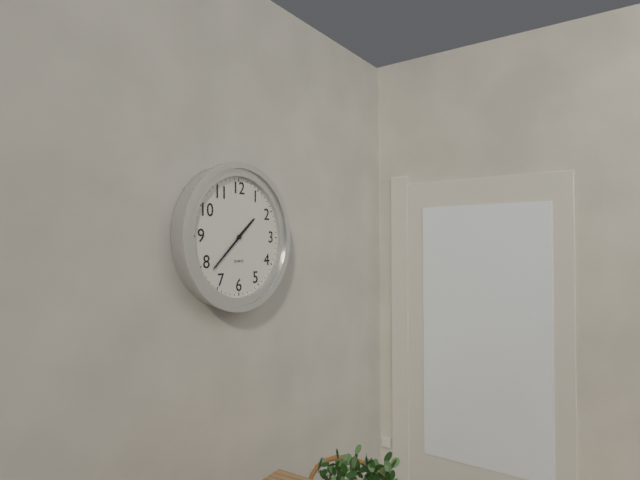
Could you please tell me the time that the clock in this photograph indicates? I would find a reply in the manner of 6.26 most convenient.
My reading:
1.38
